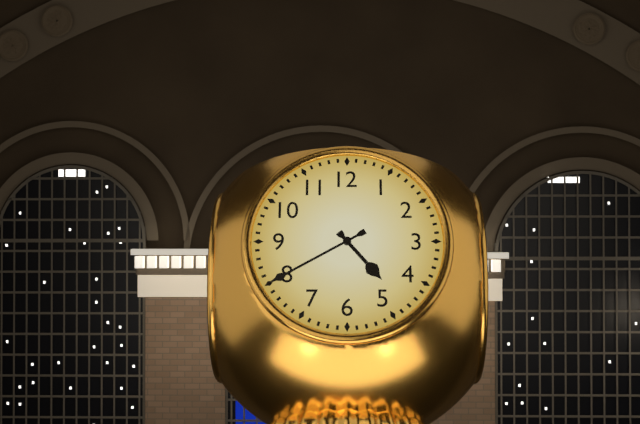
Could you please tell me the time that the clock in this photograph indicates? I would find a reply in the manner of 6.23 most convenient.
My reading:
4.40
